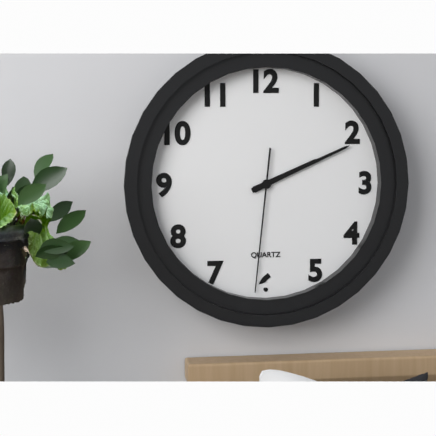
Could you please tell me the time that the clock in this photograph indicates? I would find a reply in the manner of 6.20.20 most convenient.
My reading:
2.11.31
